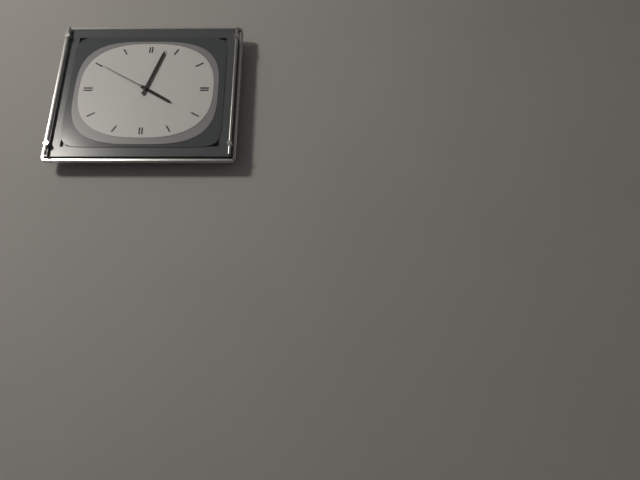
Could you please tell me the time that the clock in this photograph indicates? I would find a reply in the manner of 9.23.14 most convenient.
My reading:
4.03.50
